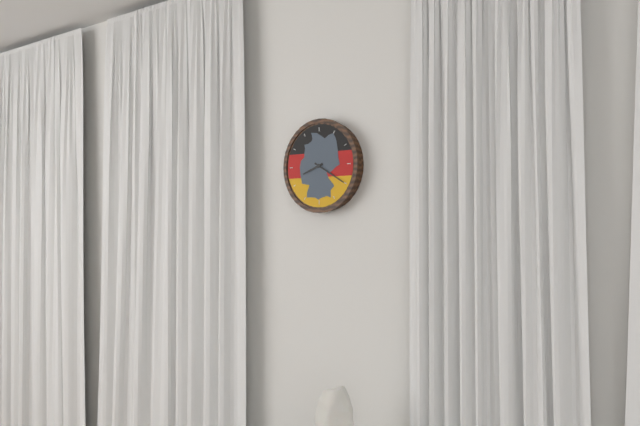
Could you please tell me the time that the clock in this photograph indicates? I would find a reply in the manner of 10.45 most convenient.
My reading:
8.20
